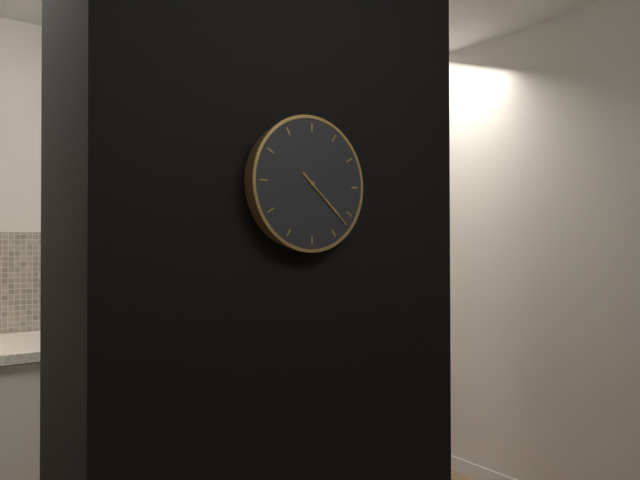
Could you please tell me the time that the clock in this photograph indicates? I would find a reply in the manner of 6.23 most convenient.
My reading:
4.22
